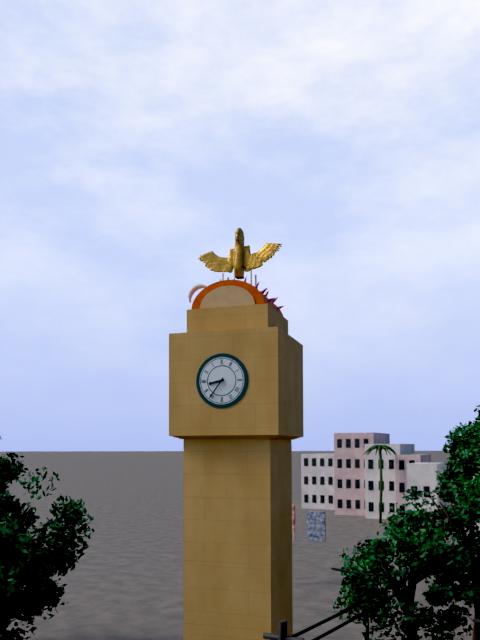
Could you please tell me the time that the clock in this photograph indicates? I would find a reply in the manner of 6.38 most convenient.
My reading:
8.36
